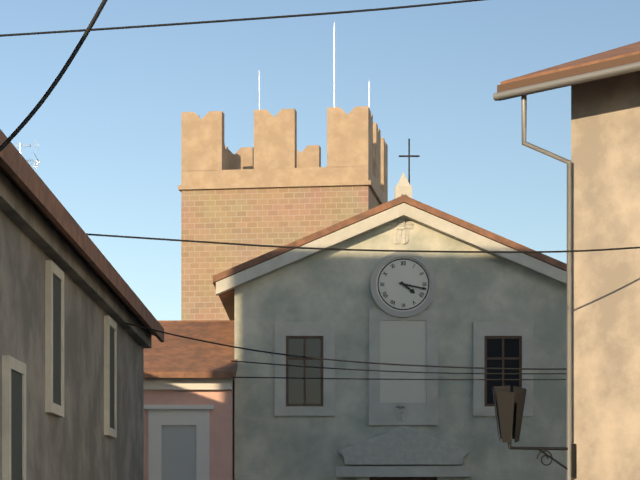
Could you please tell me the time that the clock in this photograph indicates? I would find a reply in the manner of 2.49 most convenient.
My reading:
4.17
